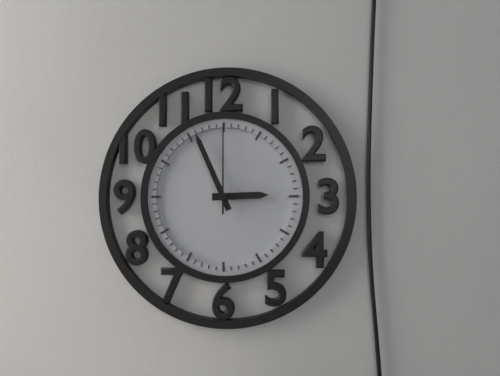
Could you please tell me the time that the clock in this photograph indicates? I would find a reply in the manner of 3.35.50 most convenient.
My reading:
2.56.00
